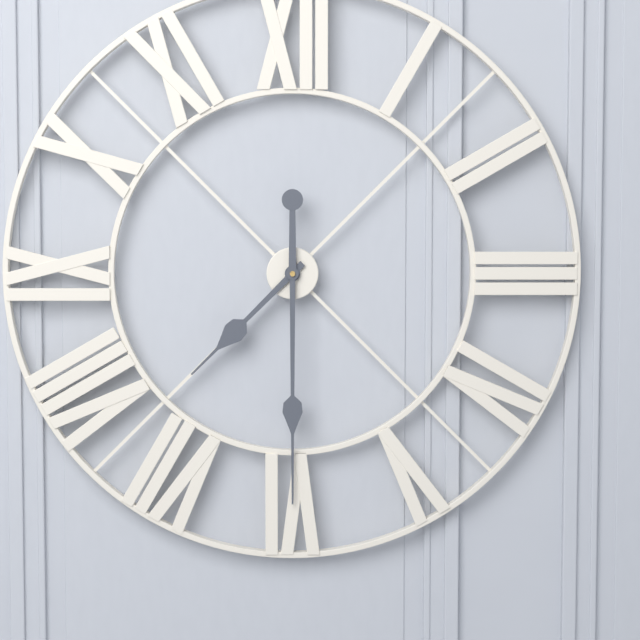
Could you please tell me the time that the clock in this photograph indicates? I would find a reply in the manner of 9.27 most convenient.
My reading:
7.30
